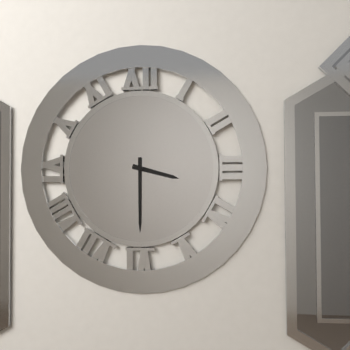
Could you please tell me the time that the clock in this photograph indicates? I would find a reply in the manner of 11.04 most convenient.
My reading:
3.30
